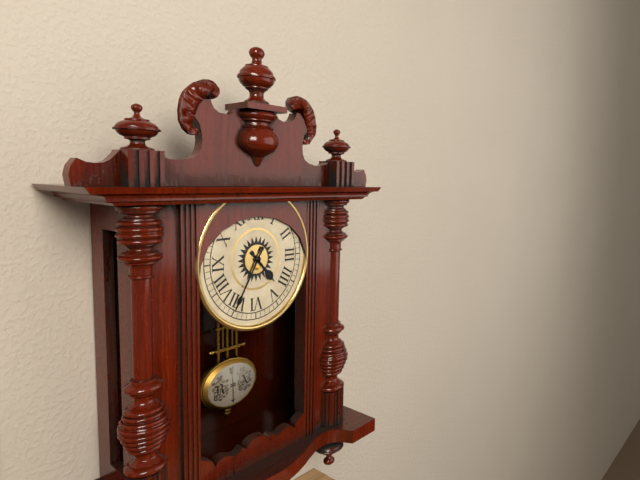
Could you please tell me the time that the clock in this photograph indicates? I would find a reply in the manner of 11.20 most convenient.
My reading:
4.35
